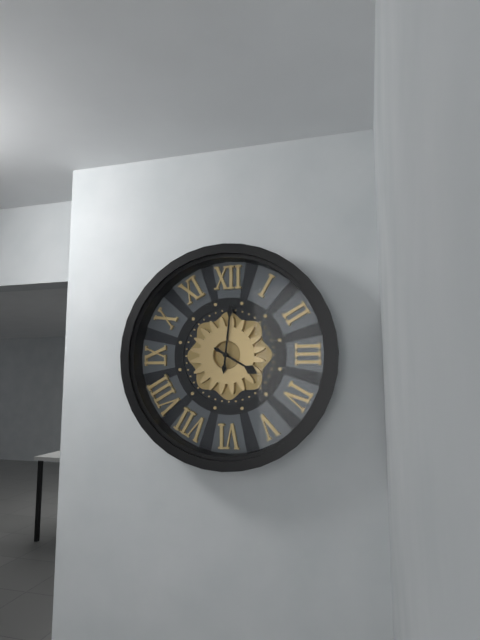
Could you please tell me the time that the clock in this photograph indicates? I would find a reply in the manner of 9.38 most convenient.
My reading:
4.01
